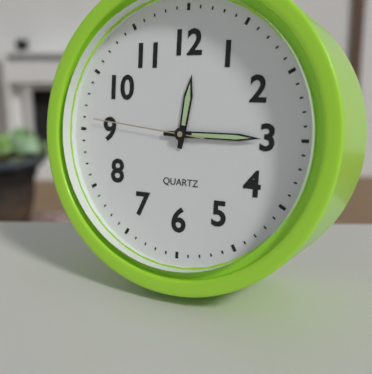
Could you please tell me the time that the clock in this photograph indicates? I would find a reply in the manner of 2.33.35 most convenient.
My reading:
12.15.46
